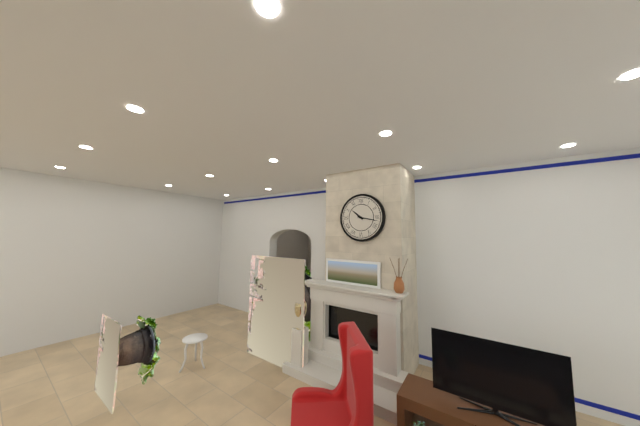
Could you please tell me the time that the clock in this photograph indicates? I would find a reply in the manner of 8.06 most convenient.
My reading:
10.17
